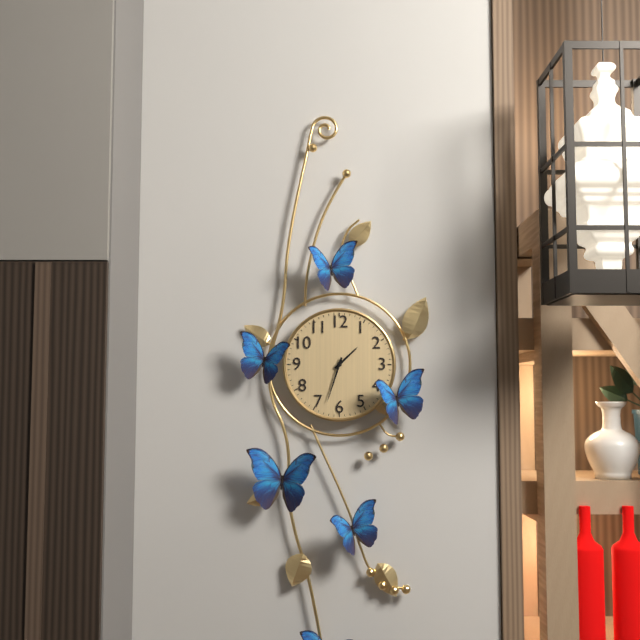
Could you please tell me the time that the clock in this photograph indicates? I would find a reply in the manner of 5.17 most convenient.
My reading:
1.33
